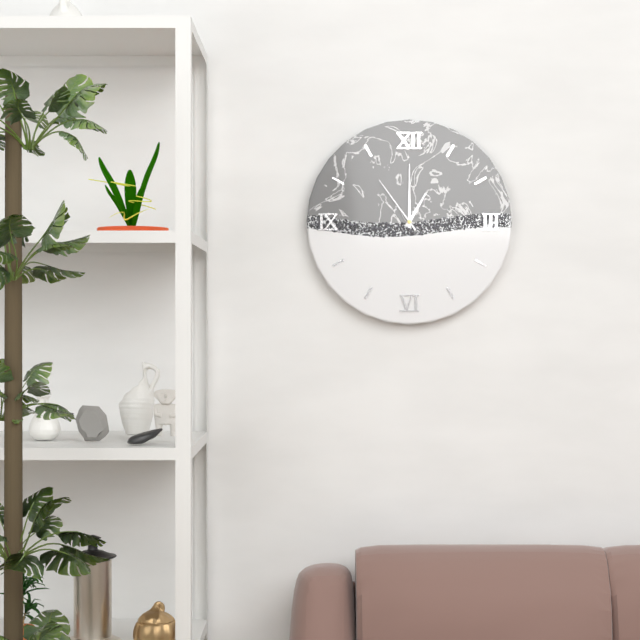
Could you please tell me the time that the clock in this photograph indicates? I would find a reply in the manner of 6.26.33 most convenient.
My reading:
1.00.54
